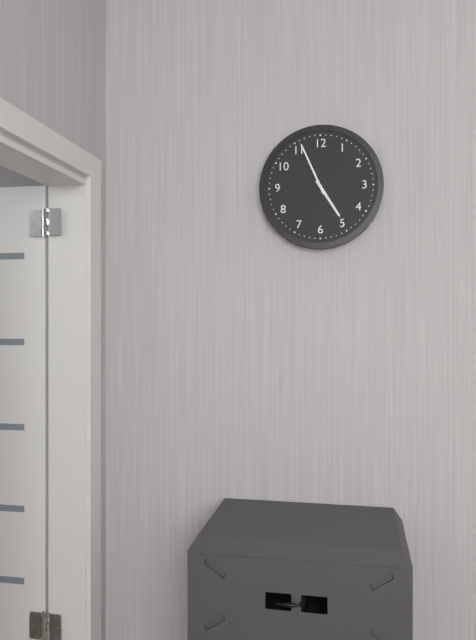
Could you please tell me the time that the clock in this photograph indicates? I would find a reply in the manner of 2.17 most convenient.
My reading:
4.56
